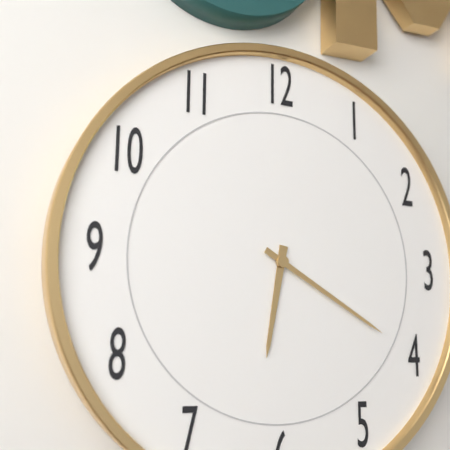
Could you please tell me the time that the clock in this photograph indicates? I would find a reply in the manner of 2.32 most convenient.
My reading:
6.20
